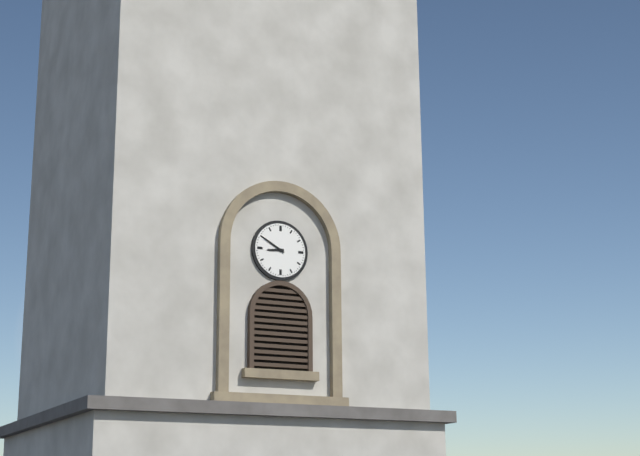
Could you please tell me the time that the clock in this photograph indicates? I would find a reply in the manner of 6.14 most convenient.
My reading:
8.50
